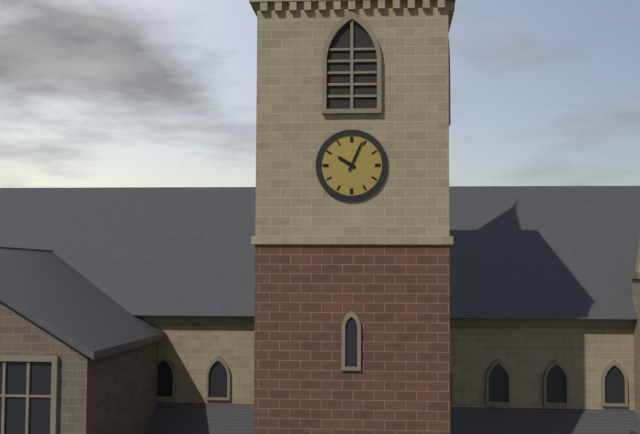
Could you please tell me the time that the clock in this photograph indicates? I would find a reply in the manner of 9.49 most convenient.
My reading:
10.04
